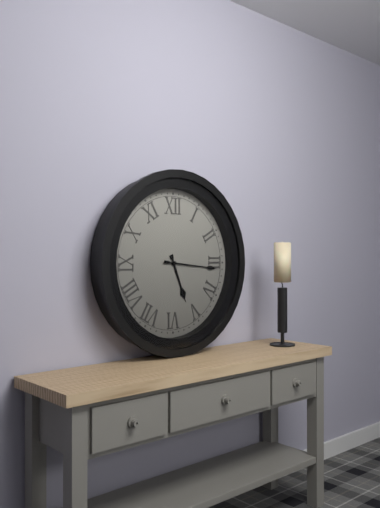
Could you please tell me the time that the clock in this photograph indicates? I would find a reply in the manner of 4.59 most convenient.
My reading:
5.16
